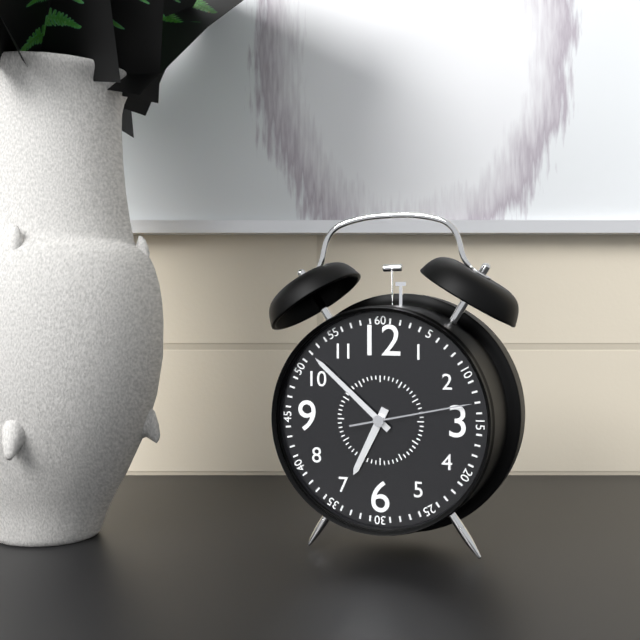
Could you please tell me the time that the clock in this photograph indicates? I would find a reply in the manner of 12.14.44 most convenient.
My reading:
6.52.13
